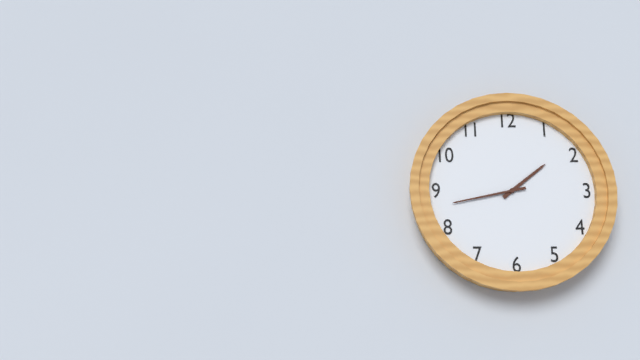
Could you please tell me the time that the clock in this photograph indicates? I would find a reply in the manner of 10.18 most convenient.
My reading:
1.43
